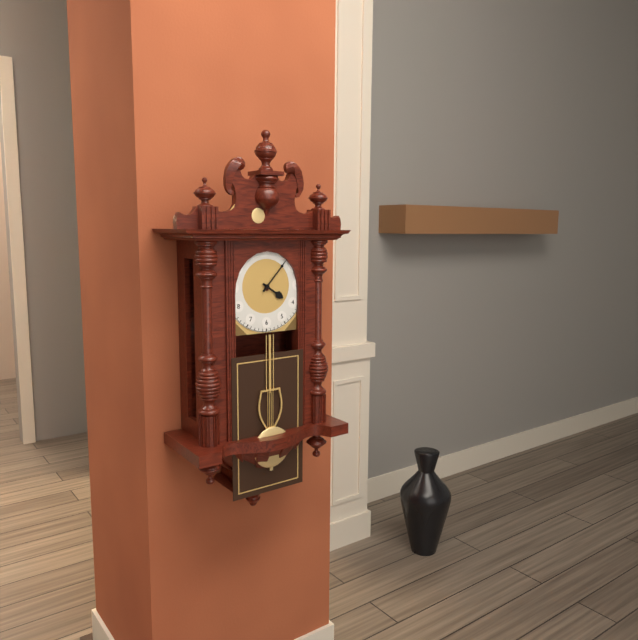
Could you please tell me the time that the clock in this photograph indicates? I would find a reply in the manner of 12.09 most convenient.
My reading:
4.07
